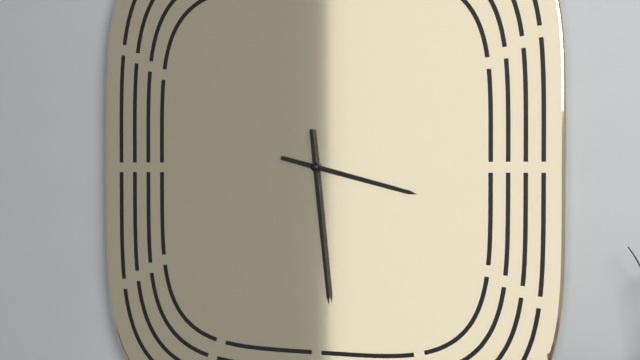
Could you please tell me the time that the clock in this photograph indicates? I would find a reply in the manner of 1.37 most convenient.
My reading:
3.29
